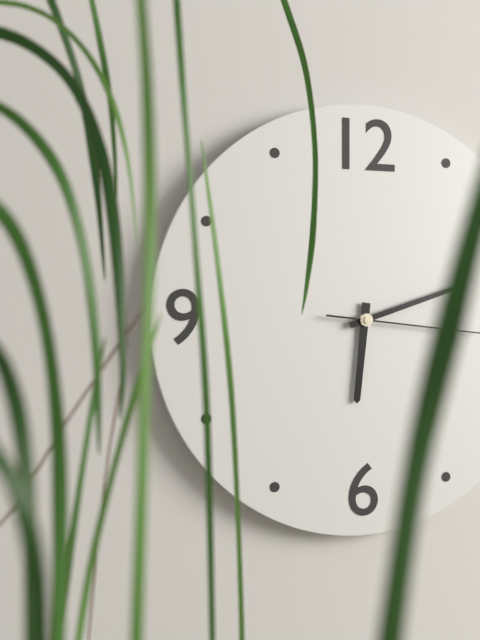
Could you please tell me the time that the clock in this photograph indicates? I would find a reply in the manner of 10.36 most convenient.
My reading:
6.12
